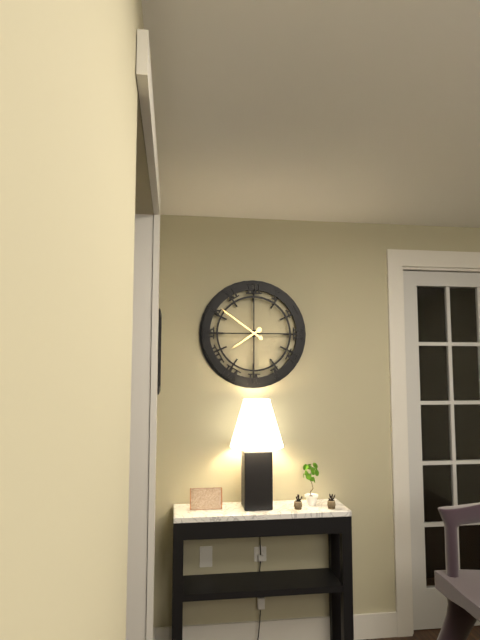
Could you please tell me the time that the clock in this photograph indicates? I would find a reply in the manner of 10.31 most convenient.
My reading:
7.51
